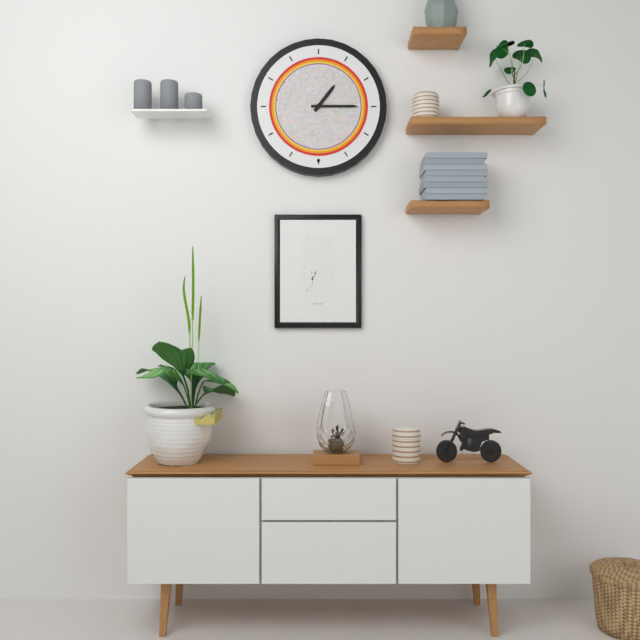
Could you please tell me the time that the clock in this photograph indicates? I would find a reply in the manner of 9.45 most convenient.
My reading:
1.15
